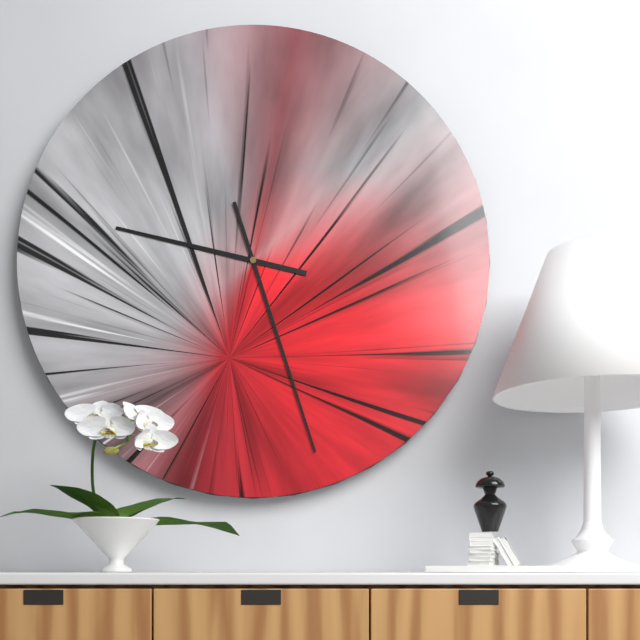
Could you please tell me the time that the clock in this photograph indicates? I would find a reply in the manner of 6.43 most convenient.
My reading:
9.27
